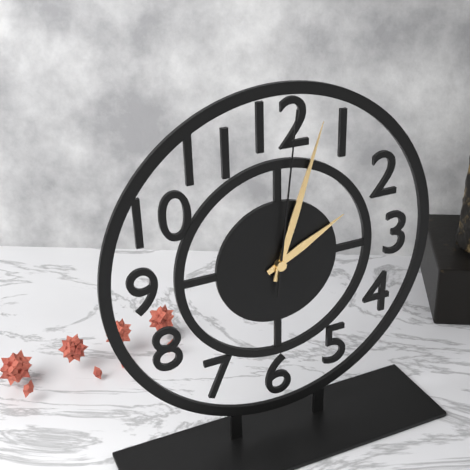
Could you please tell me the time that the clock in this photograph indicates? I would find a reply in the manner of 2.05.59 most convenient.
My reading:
2.03.01
